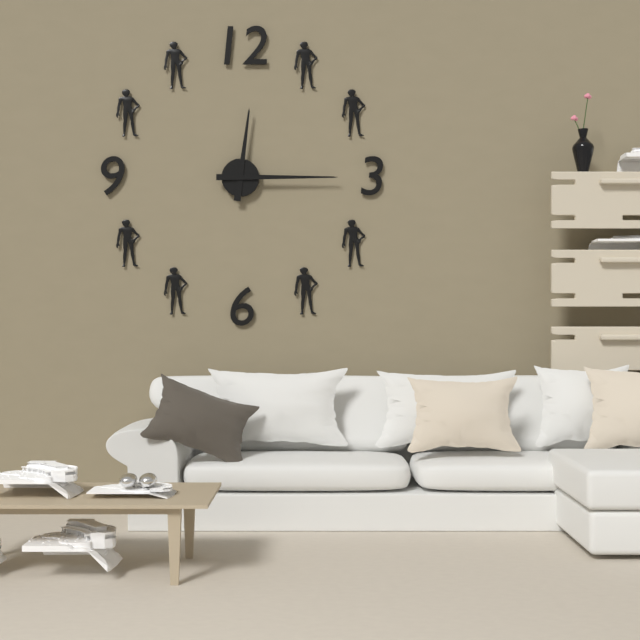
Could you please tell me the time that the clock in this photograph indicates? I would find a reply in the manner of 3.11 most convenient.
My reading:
12.15
